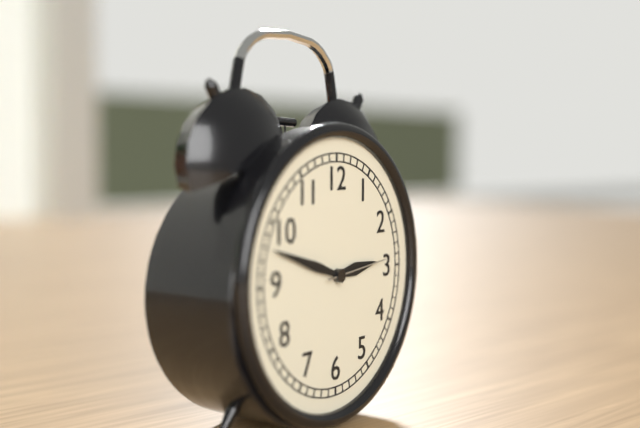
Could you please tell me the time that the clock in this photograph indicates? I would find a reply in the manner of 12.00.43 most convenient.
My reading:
2.48.14
